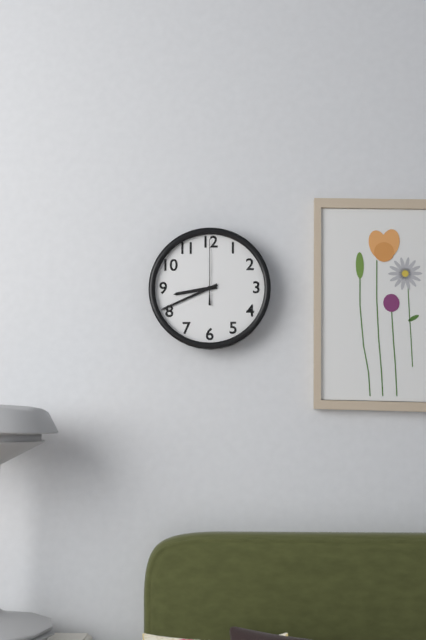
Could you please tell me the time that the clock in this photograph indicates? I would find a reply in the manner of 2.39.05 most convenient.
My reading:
8.41.00
